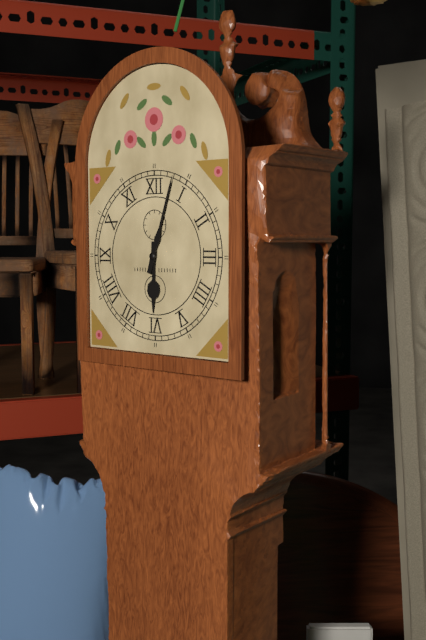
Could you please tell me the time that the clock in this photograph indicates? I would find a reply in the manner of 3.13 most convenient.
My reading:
6.03
